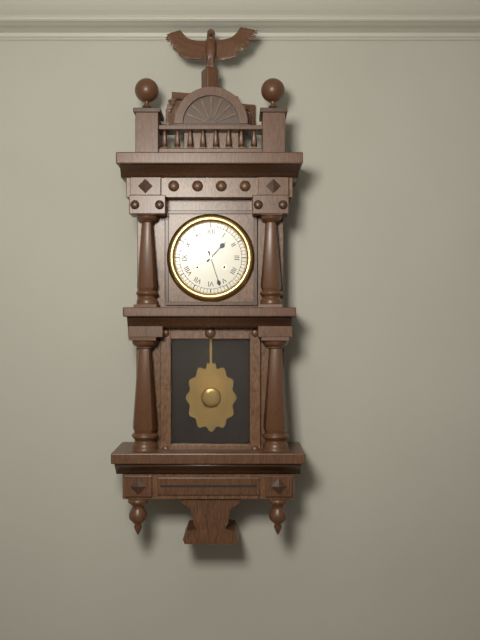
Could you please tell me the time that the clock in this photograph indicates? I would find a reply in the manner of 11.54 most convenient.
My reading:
1.27
